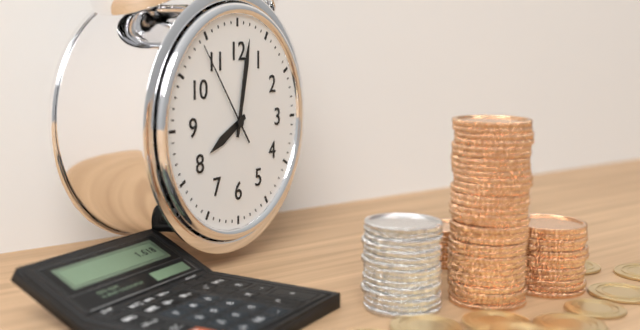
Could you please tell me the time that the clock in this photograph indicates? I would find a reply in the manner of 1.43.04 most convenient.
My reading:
8.02.54
